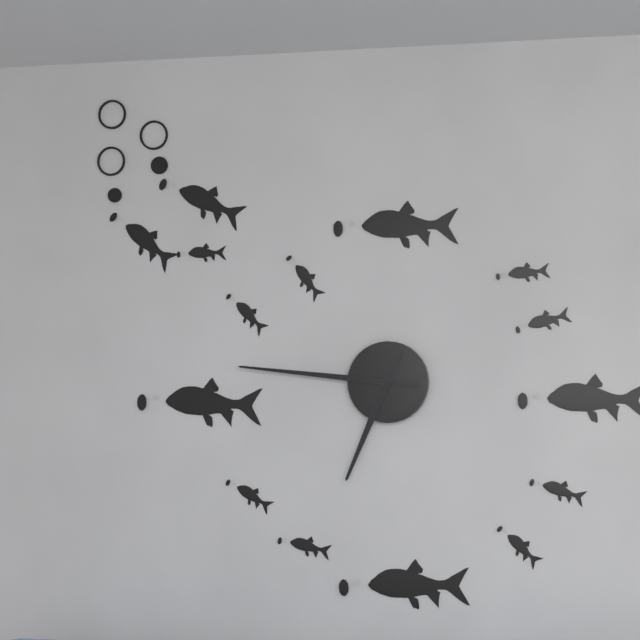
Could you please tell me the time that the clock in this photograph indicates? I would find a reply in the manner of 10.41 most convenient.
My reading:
6.46
